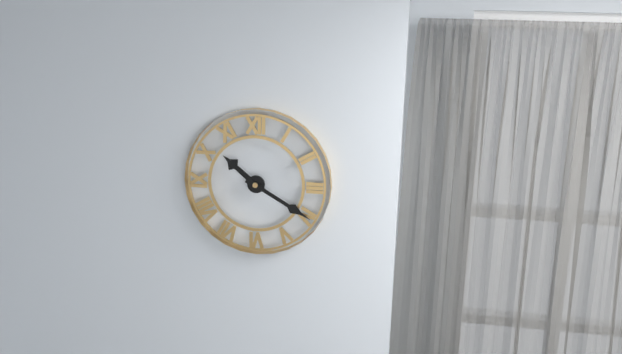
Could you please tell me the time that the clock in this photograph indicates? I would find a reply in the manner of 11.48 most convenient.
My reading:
10.20
